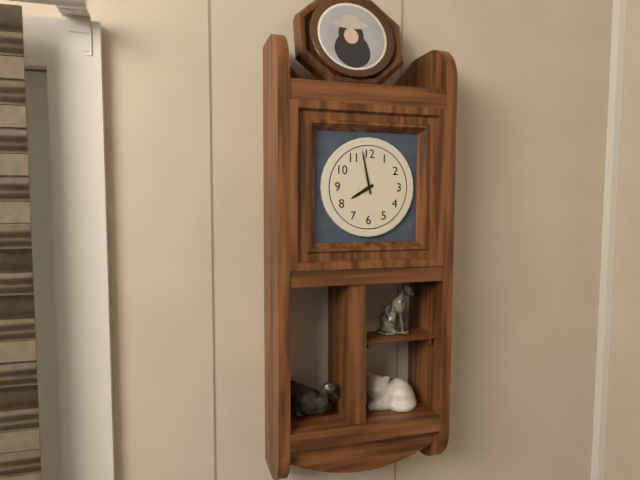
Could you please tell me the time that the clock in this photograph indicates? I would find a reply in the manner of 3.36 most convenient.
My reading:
7.58
